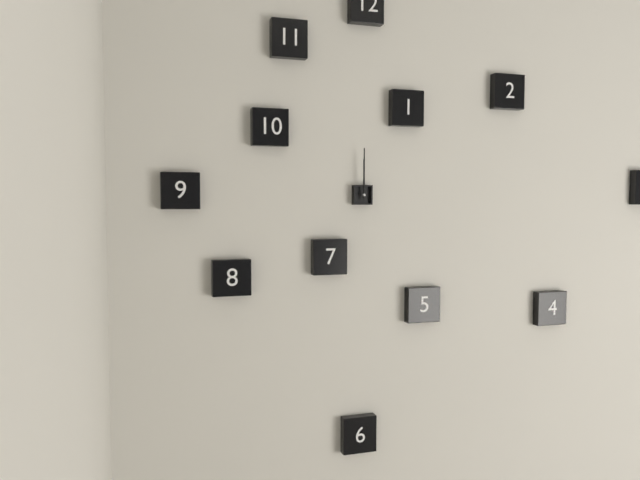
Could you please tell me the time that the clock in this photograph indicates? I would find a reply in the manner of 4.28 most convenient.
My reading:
12.00
